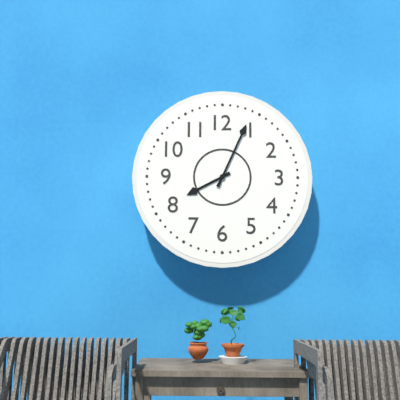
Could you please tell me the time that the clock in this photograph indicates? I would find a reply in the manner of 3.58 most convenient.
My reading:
8.04
